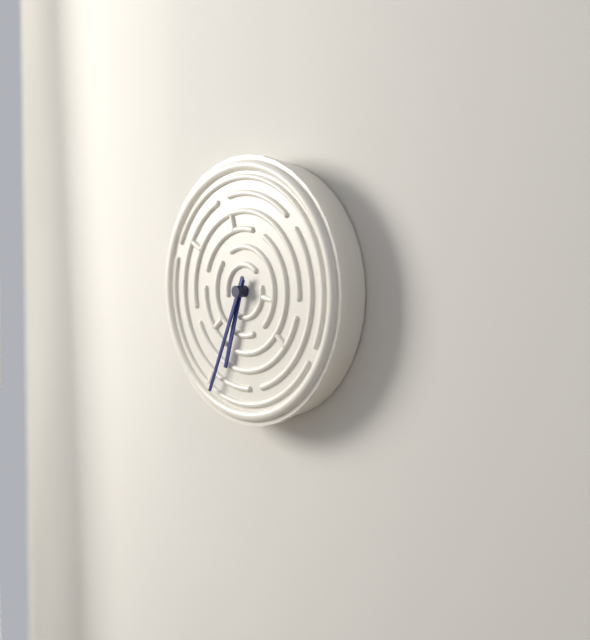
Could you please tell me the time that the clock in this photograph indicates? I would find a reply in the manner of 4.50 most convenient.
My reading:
6.34
